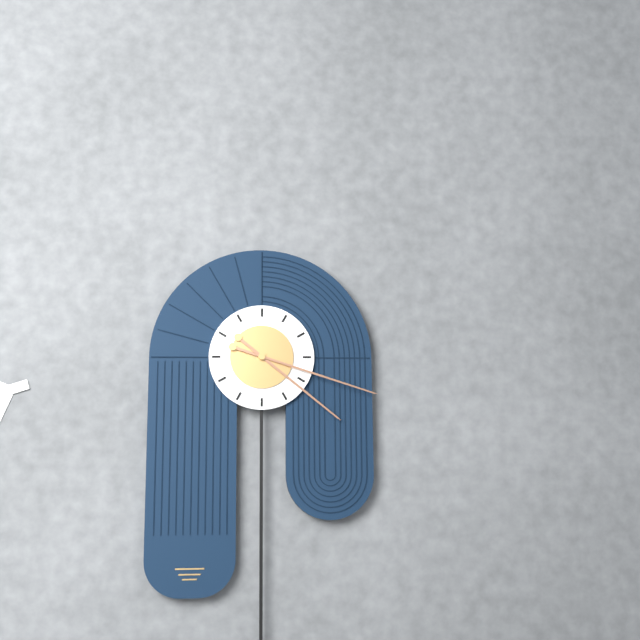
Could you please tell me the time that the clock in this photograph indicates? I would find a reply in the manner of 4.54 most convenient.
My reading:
4.18
